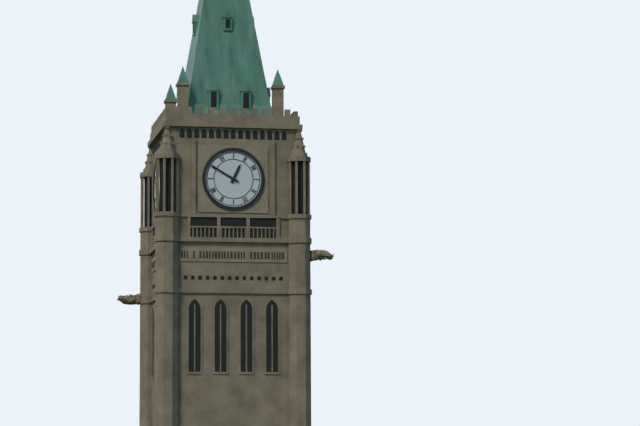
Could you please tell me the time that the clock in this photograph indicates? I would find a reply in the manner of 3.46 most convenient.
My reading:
12.50
